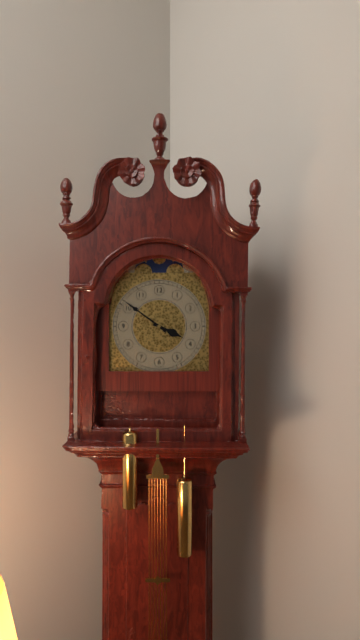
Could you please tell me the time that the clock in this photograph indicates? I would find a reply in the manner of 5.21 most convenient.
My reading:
3.51
